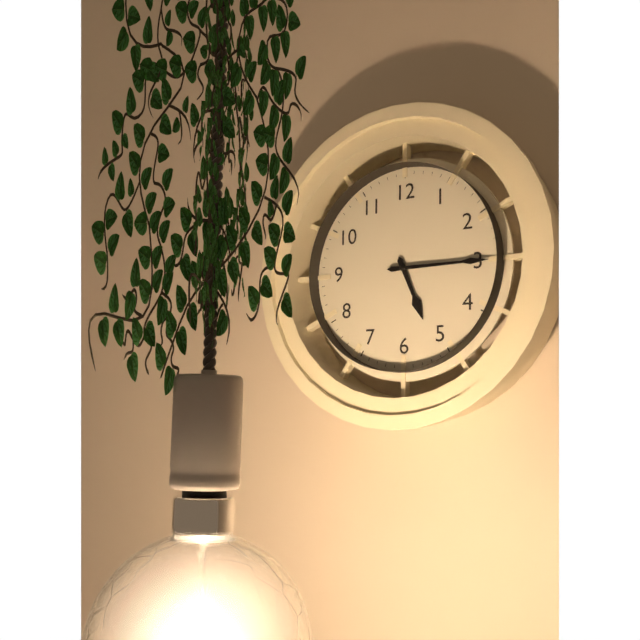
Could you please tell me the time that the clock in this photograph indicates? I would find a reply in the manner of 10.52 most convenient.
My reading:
5.15
